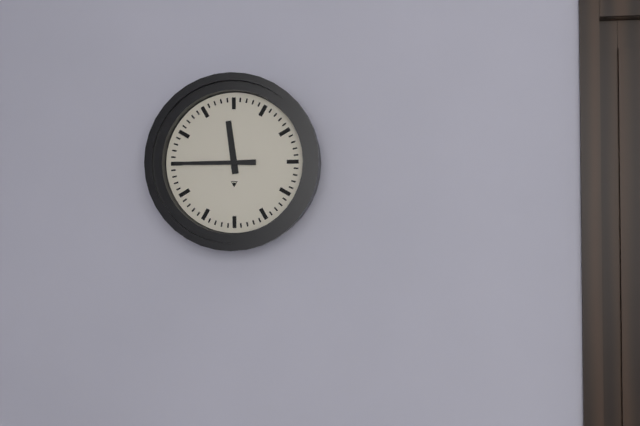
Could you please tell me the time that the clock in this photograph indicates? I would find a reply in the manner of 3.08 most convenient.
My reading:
11.45
